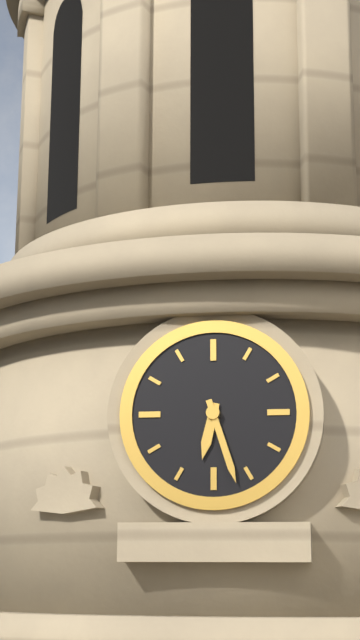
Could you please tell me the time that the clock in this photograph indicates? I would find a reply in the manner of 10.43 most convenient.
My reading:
6.27
